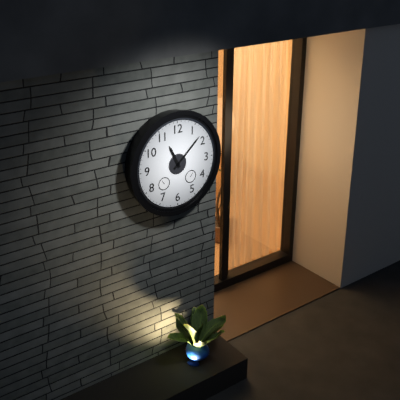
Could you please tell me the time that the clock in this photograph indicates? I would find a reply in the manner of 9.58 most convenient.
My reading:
11.08
